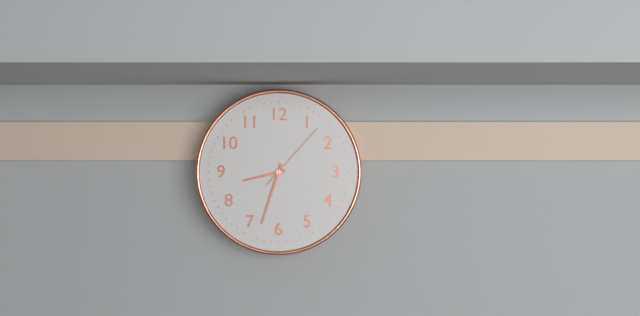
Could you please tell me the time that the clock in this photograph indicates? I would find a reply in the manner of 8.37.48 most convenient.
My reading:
8.33.07
